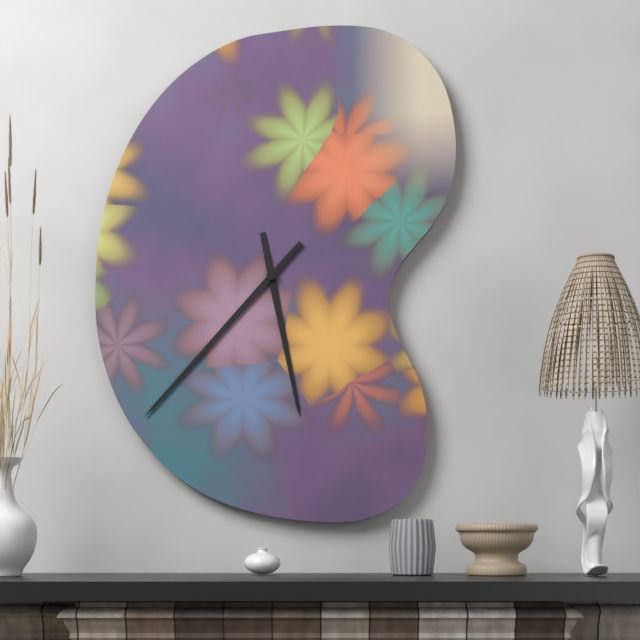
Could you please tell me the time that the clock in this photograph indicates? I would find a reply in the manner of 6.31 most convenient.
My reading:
5.37
